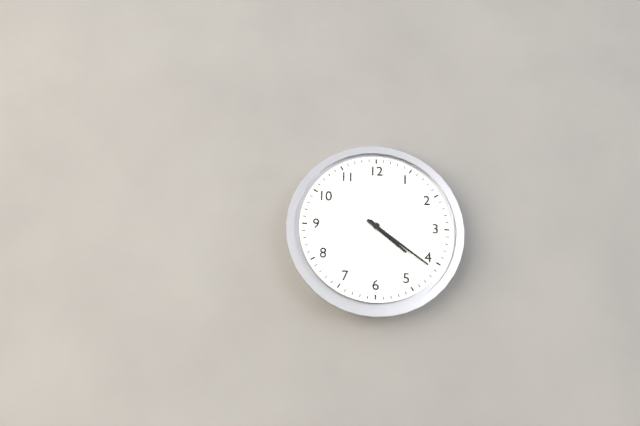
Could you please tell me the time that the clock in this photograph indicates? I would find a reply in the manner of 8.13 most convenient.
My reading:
4.21
